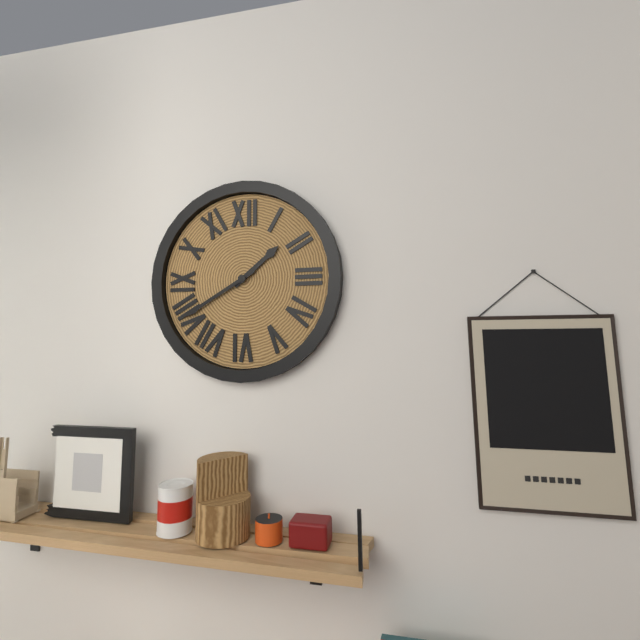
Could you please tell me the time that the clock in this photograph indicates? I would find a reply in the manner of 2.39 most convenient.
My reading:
1.40
